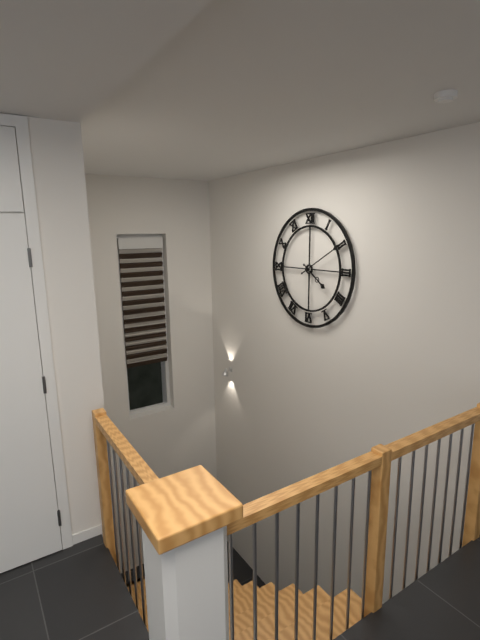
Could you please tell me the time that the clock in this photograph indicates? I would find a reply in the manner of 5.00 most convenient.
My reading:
4.10
